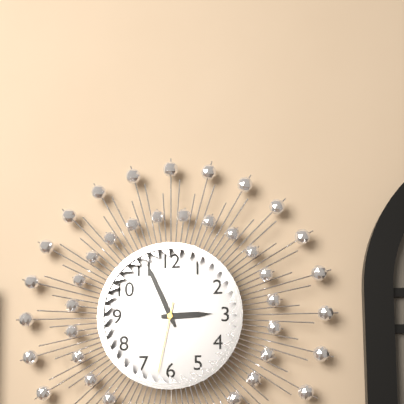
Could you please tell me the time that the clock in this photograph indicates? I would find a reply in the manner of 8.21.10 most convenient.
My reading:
2.56.32
